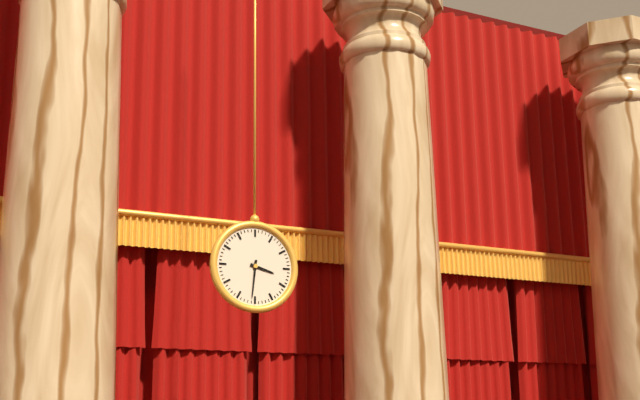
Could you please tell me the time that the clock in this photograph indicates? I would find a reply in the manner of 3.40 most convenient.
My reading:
3.31
